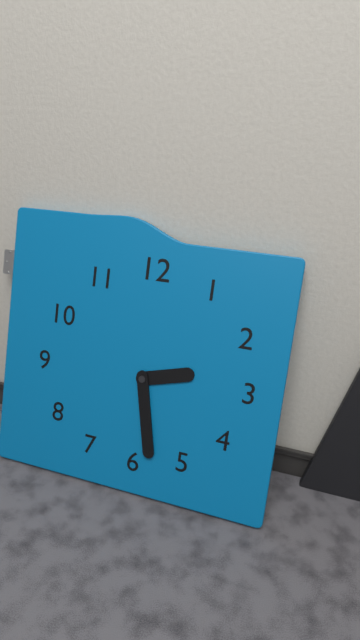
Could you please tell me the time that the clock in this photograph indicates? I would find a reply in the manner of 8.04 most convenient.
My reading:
2.28
